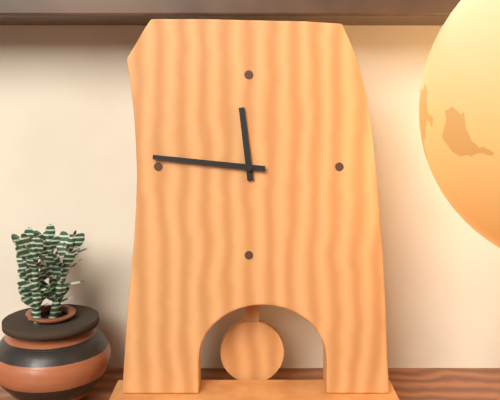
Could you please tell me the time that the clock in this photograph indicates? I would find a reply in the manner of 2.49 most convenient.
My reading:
11.46
